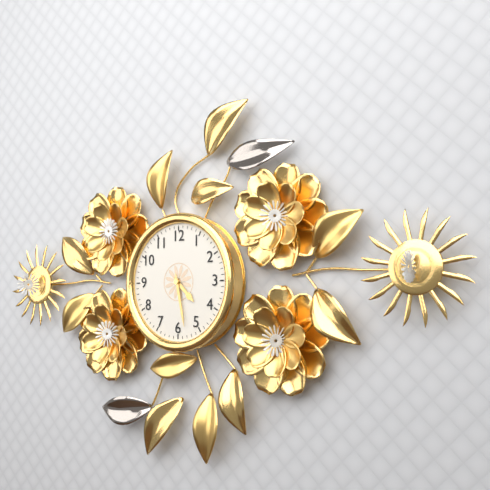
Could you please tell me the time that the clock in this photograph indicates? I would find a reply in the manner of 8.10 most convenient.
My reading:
4.28
